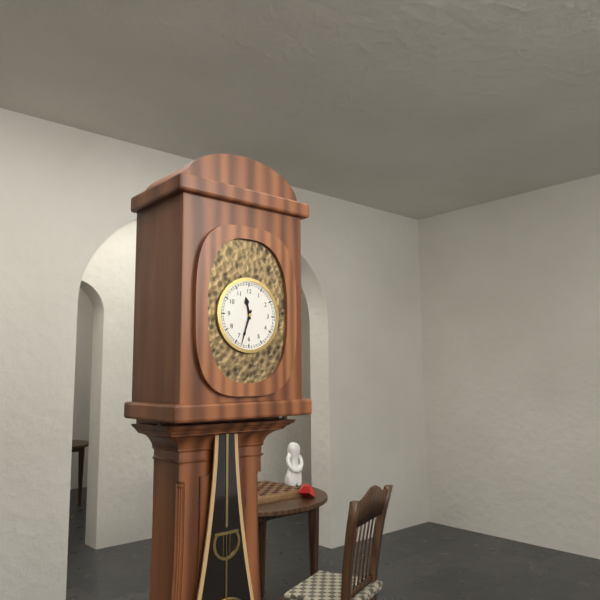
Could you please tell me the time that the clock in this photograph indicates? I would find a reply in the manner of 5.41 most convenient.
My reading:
11.33
